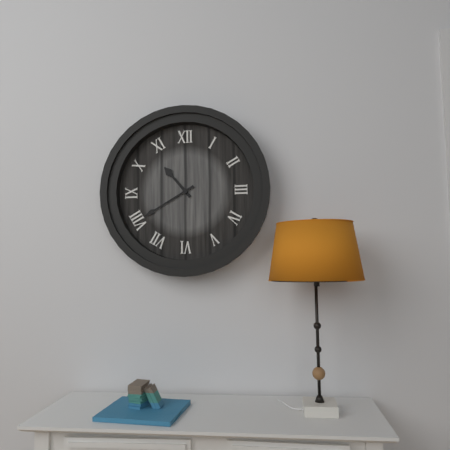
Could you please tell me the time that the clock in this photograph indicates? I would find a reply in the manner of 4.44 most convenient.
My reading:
10.40
